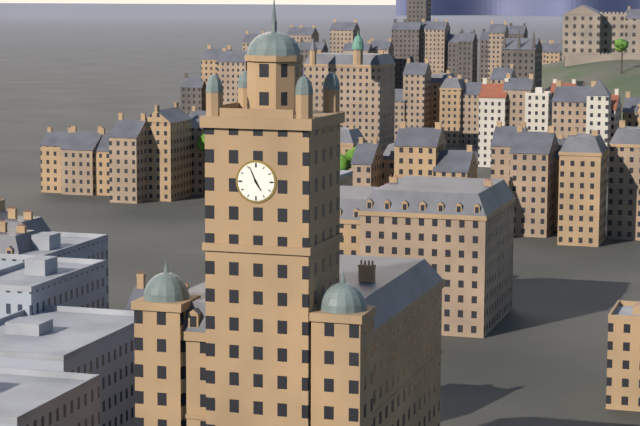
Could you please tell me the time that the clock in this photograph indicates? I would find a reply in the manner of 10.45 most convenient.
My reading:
4.56
